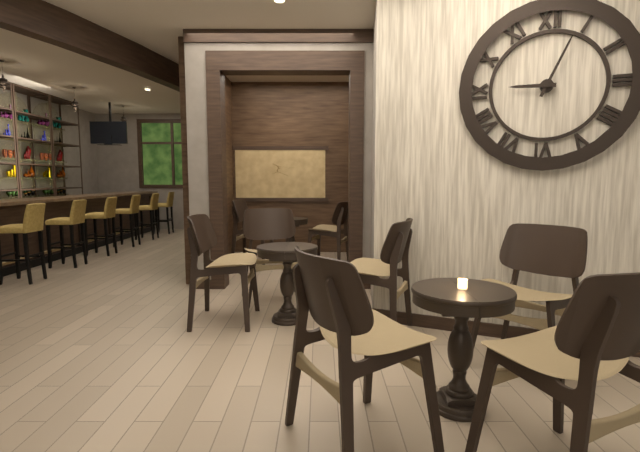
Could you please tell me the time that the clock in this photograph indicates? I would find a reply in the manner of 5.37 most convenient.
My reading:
9.04
